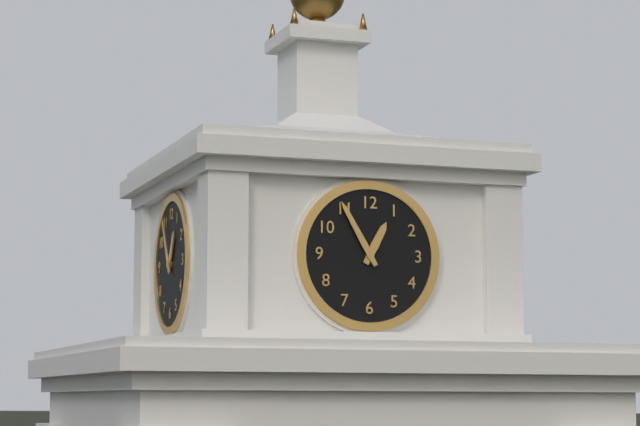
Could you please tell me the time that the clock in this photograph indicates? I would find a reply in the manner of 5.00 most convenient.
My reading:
12.55
